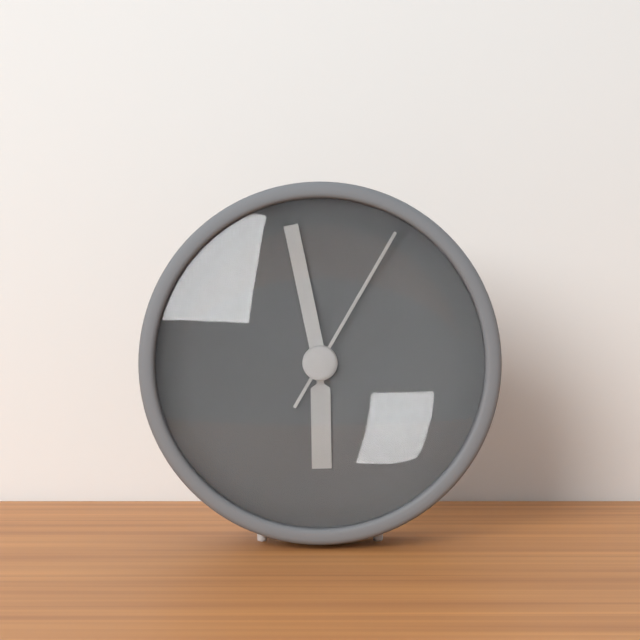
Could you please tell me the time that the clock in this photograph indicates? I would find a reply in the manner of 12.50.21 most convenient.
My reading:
5.58.05
